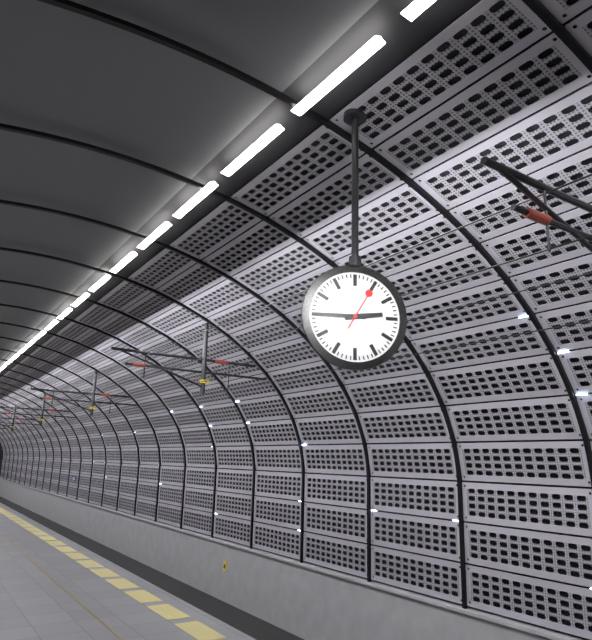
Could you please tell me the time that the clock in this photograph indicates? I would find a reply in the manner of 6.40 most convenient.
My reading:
2.45
